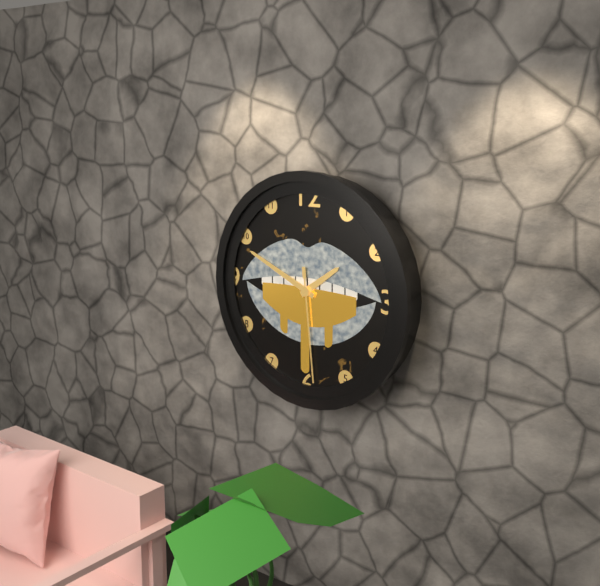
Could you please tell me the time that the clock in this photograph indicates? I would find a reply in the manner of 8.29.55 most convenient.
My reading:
1.49.29
